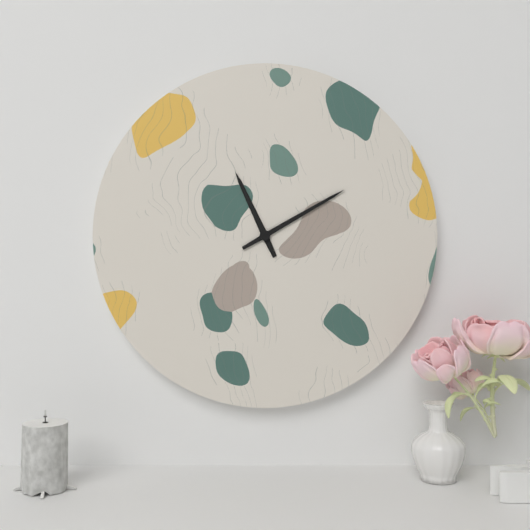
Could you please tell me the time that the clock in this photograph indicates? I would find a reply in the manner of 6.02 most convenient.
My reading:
11.10
